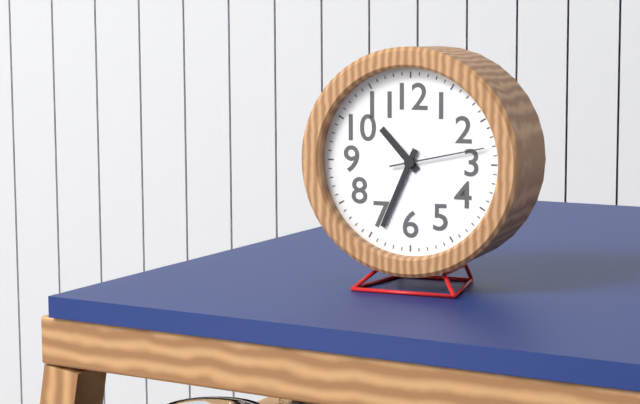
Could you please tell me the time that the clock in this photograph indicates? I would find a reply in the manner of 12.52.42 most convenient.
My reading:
10.34.13
